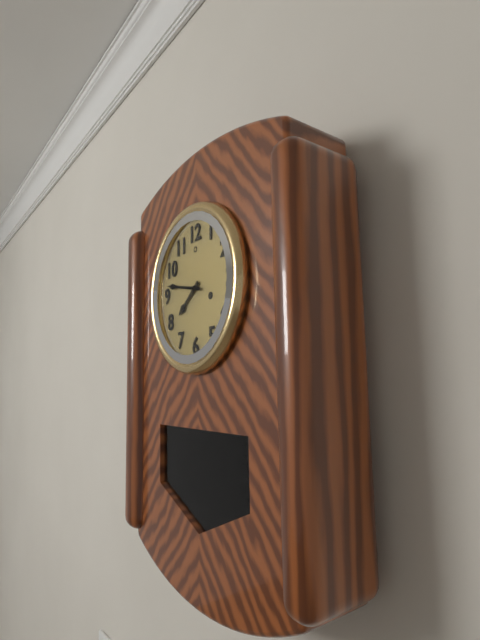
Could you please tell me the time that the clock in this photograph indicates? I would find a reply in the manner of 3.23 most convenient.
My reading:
7.47
